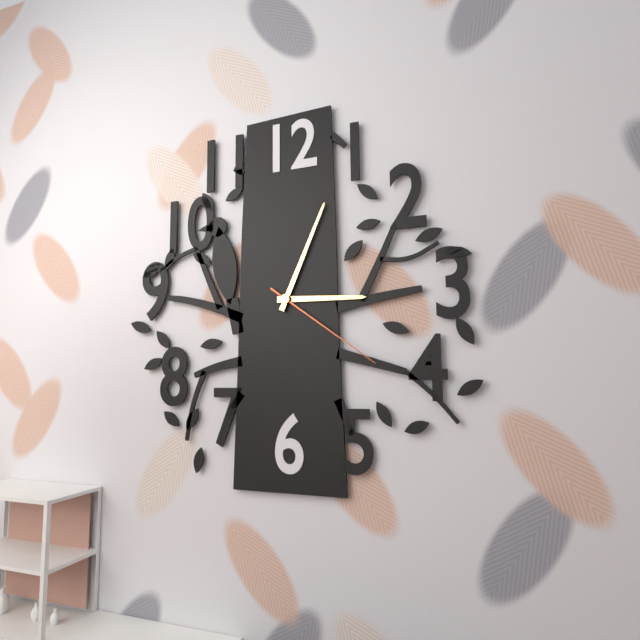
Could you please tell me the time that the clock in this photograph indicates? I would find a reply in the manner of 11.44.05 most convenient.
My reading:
3.04.21
